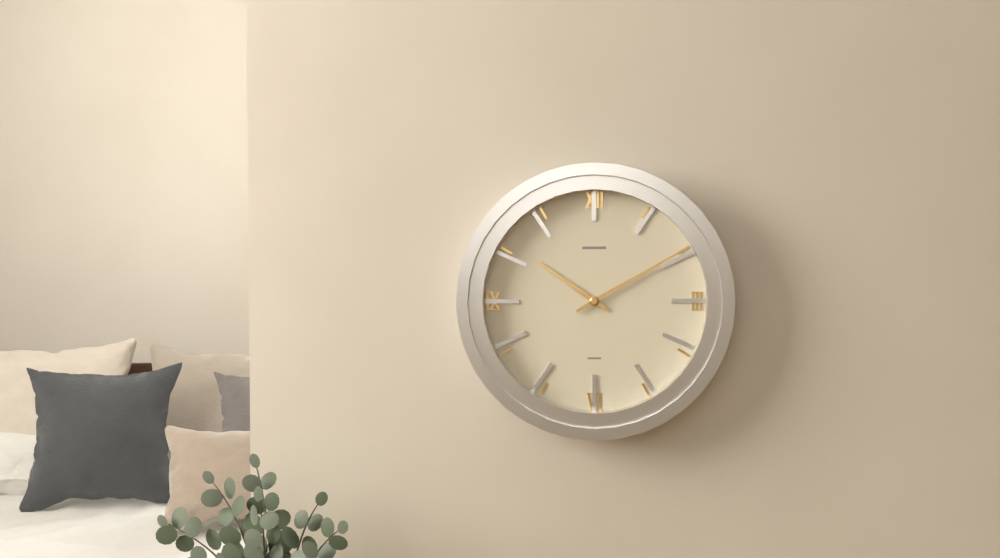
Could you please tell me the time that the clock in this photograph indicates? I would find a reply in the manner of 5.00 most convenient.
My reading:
10.10
